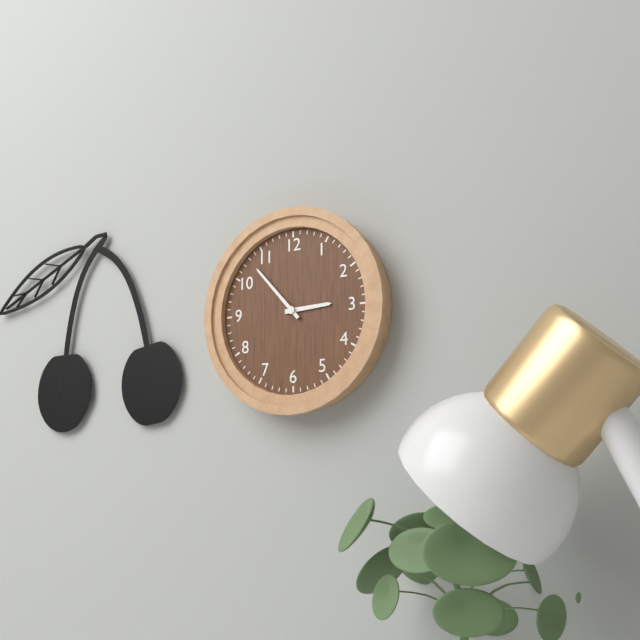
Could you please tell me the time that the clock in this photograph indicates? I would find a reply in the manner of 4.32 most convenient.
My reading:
2.53
